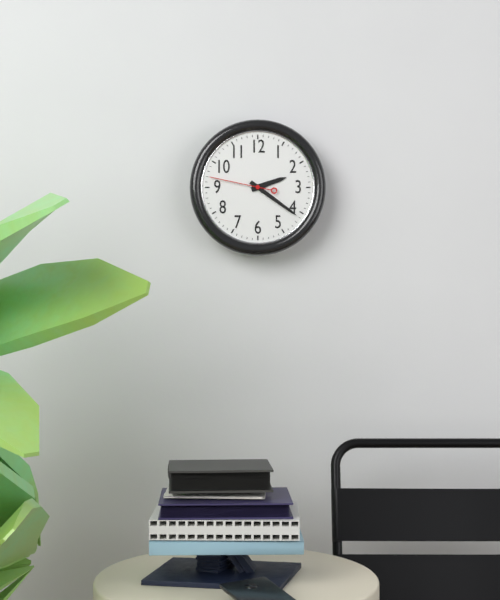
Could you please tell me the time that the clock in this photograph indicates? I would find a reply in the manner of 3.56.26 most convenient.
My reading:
2.21.47
